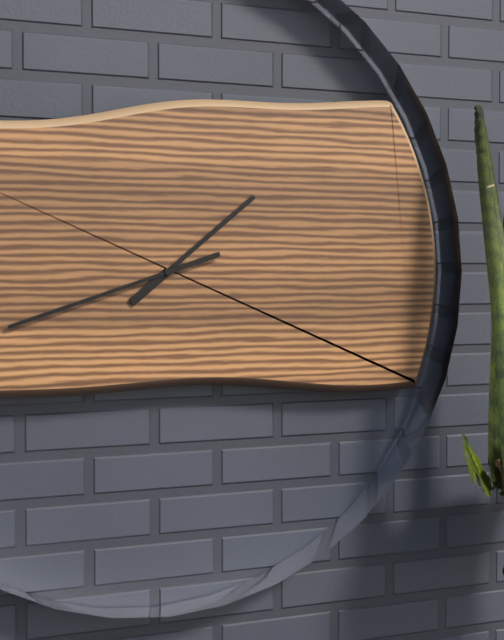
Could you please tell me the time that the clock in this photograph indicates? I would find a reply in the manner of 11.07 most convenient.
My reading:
1.42
